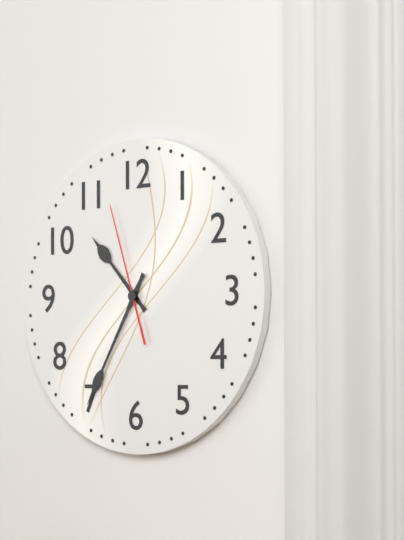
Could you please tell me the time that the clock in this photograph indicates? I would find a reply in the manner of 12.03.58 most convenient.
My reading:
10.35.57
